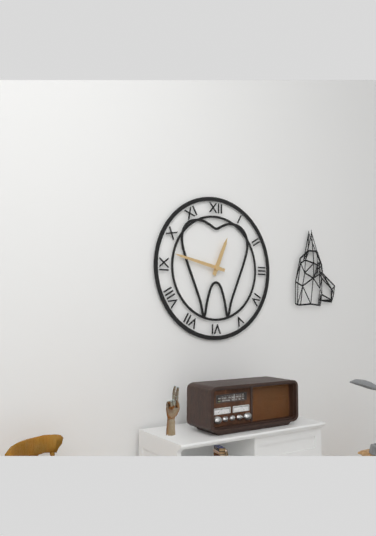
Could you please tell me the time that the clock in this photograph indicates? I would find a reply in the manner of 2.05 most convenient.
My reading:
12.47
